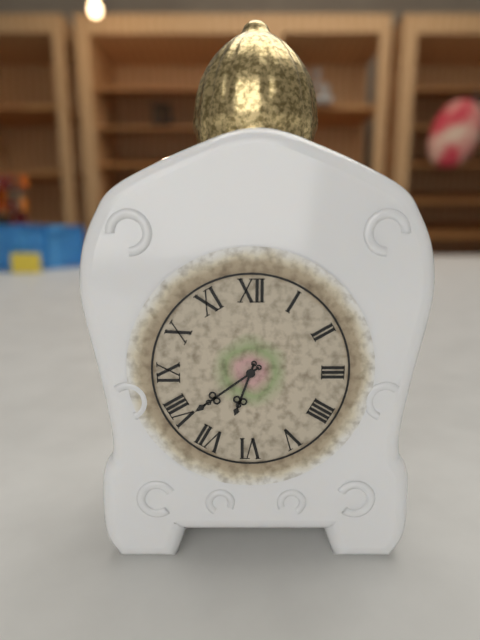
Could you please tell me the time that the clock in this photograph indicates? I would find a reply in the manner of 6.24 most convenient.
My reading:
6.39
